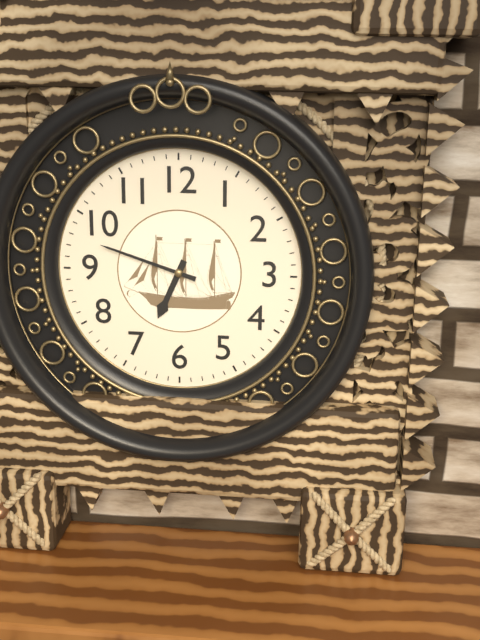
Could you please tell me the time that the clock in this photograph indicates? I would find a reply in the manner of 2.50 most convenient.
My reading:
6.48
